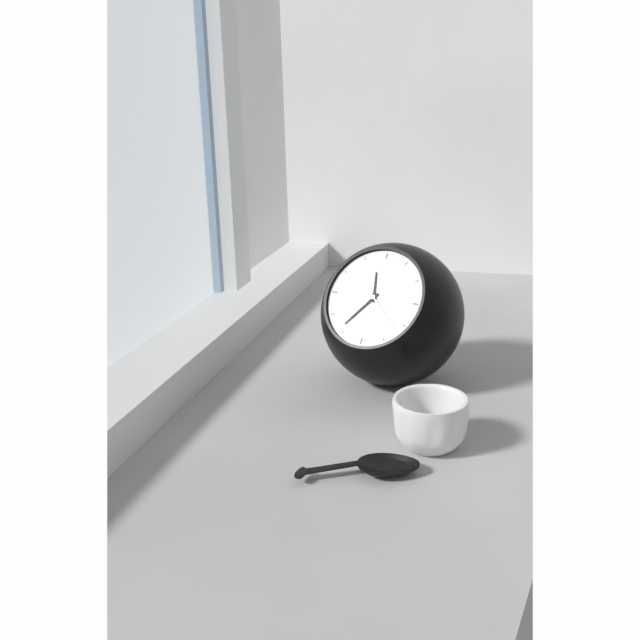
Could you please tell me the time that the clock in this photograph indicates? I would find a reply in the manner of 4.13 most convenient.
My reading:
11.36
